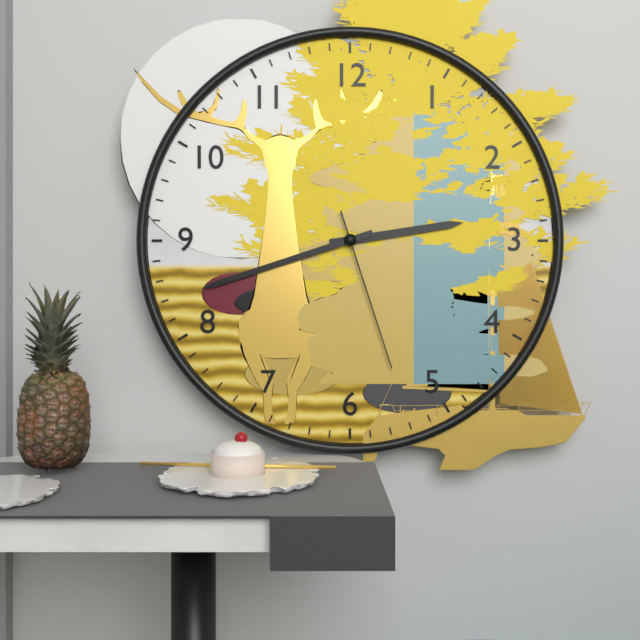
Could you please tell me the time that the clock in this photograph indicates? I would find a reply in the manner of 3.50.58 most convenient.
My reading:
2.42.27
